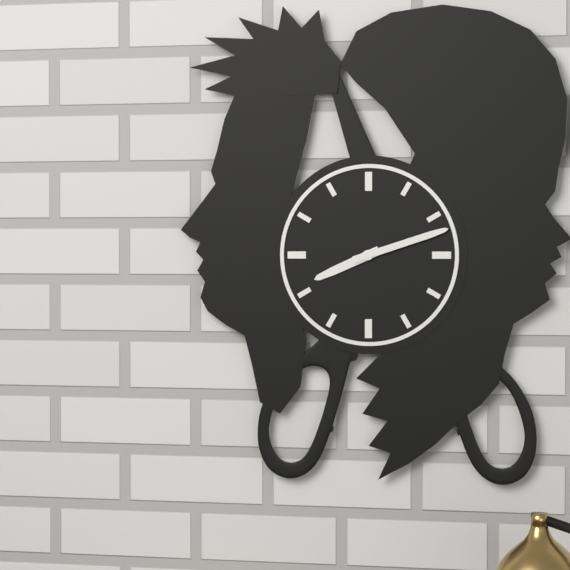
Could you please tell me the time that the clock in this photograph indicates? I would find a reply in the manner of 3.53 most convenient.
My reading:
8.12
